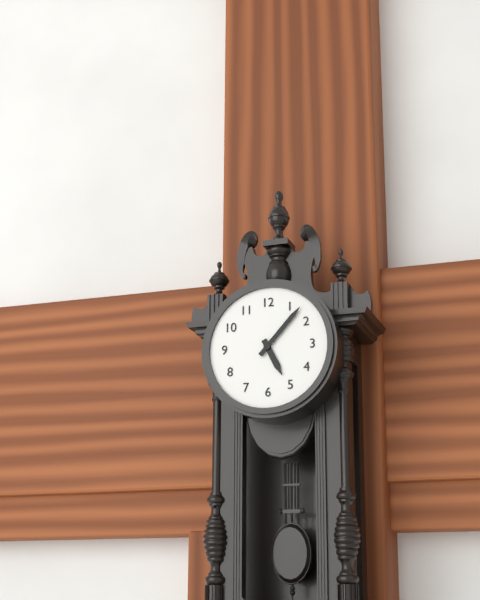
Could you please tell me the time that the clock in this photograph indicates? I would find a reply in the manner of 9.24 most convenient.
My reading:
5.07
